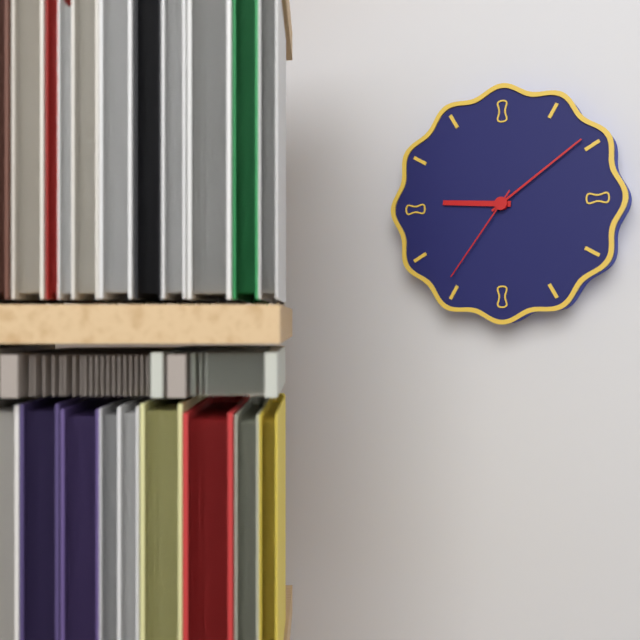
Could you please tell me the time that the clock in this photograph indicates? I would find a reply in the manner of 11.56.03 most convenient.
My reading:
9.09.36
